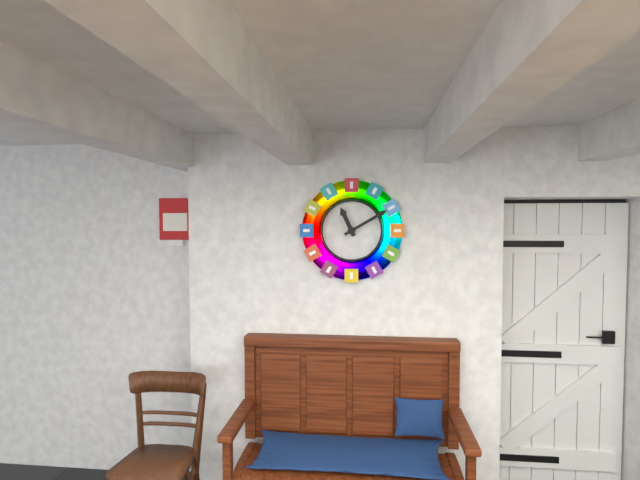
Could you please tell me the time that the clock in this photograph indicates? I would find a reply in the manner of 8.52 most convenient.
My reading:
11.10
